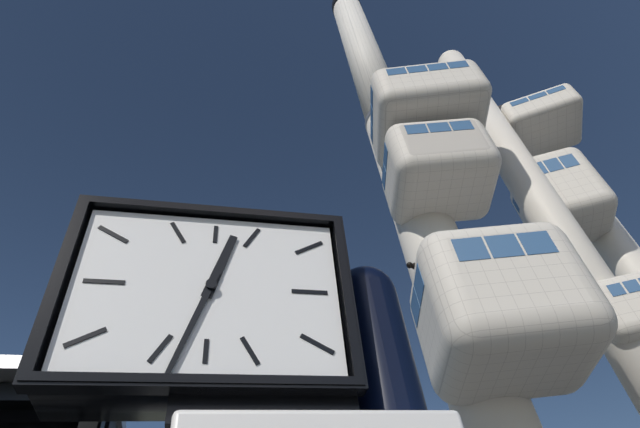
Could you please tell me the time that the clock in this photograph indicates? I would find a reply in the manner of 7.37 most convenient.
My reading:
12.33
